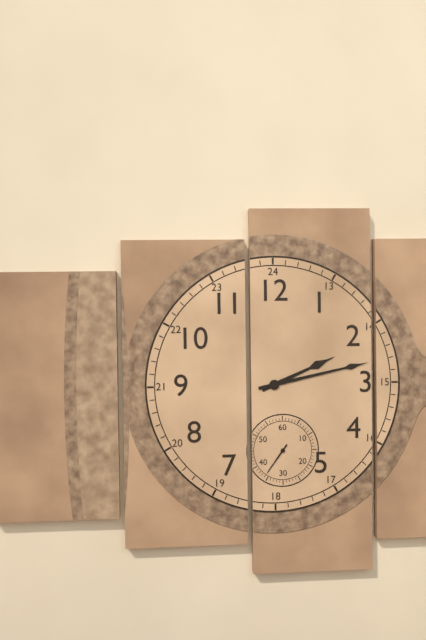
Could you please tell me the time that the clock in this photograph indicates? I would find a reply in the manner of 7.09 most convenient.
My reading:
2.13
